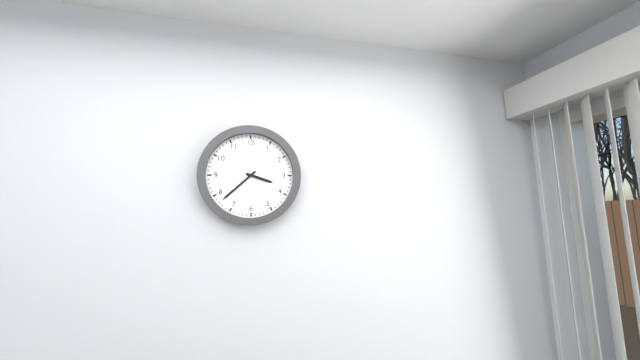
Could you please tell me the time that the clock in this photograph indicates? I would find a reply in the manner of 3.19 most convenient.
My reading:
3.38
